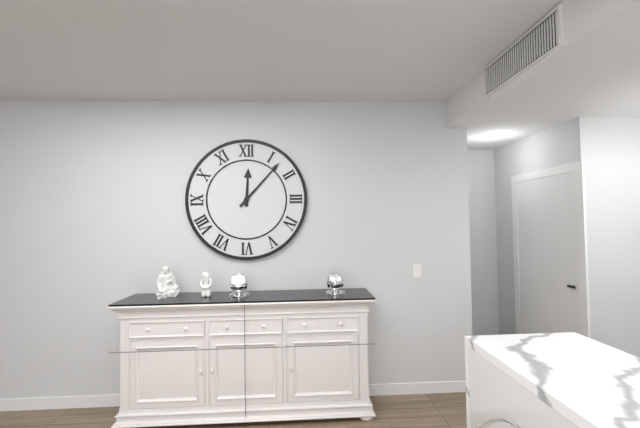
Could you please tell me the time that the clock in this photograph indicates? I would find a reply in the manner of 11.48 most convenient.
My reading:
12.07
